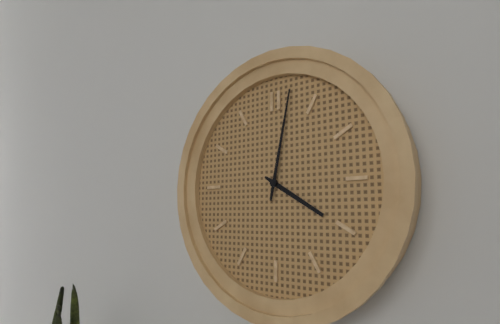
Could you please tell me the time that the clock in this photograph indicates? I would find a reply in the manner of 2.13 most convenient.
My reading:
4.02
